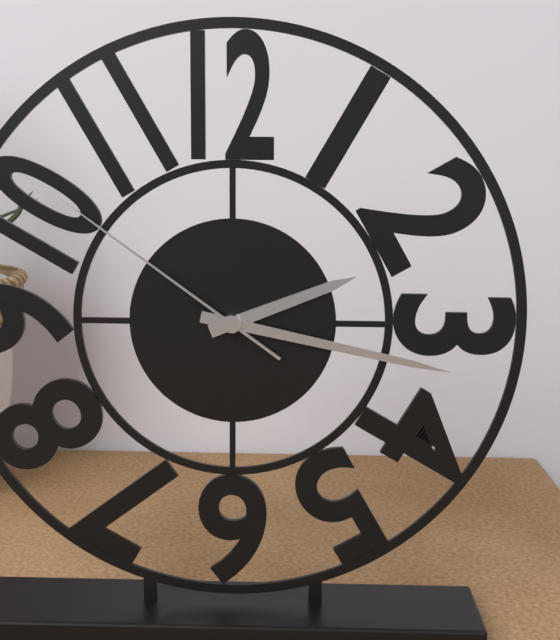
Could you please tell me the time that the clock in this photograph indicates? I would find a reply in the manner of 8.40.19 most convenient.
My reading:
2.17.51
